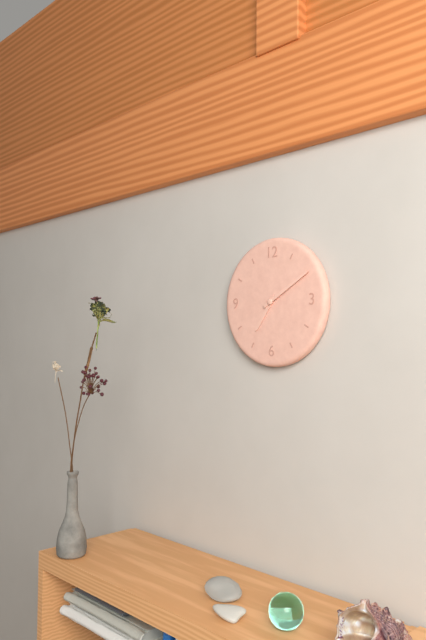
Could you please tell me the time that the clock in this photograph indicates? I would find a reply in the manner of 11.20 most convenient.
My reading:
7.10
